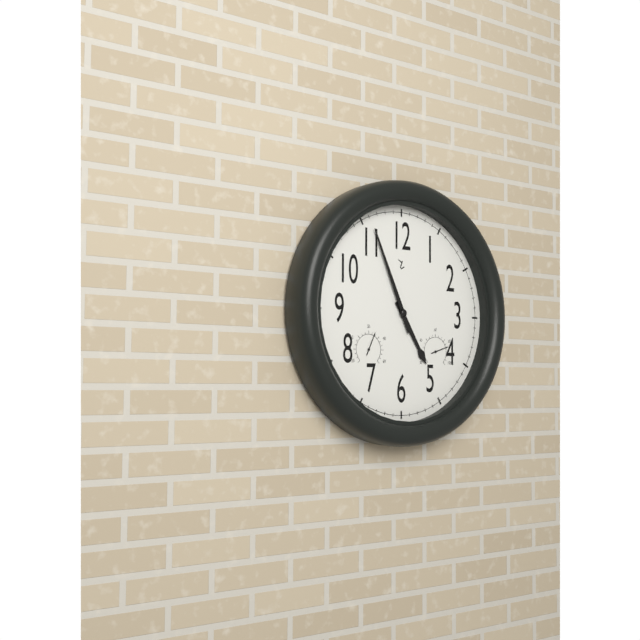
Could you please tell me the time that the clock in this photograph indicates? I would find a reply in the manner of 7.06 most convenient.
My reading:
4.56
